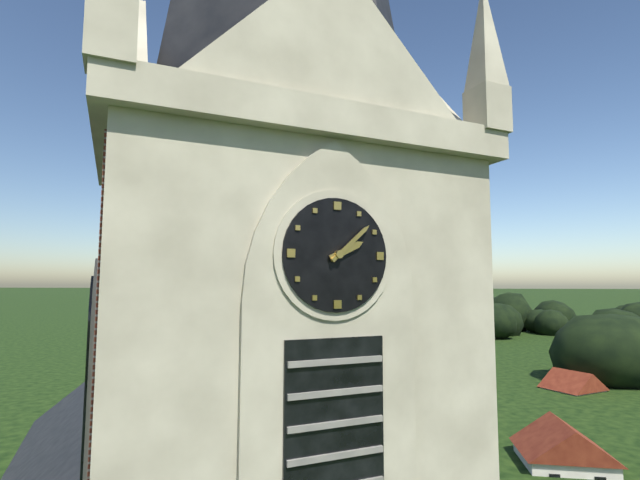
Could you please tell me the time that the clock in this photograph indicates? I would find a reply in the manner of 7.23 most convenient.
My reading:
2.08
